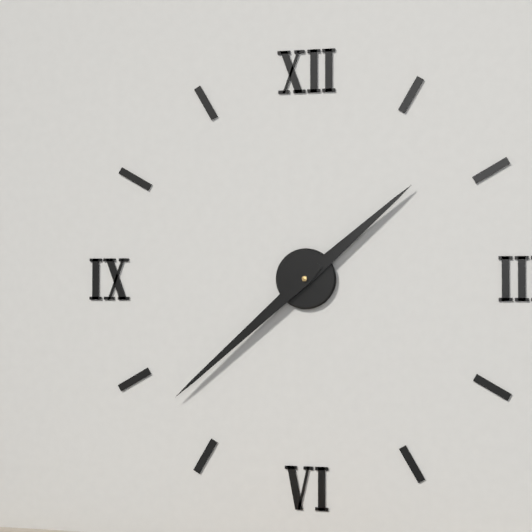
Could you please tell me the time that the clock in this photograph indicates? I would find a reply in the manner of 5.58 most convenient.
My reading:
1.38
